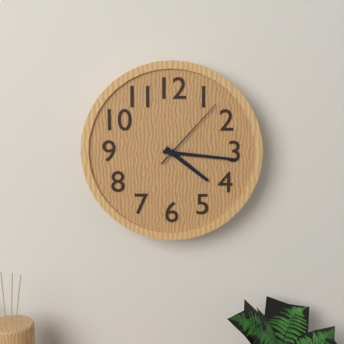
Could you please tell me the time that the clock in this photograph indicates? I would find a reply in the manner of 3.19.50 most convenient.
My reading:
4.16.07
